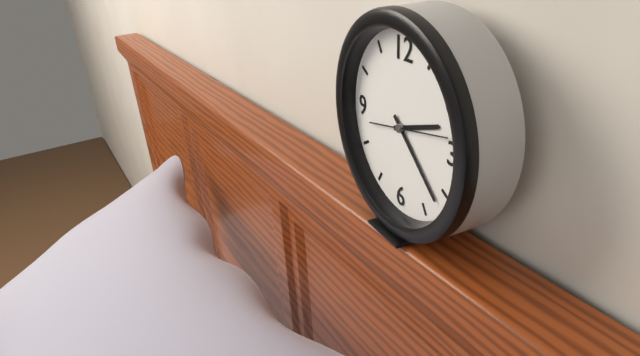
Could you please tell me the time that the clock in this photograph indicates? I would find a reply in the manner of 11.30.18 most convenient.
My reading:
2.22.13
